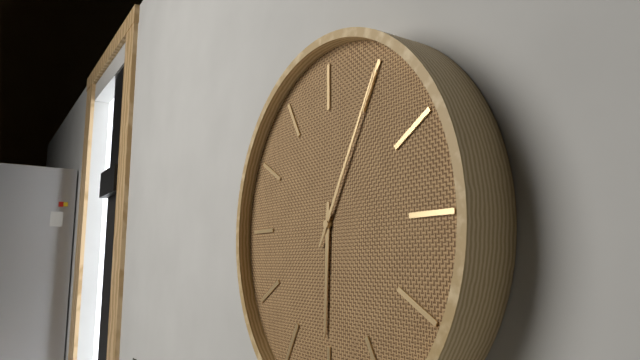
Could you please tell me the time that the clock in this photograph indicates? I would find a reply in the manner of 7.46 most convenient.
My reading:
6.05
